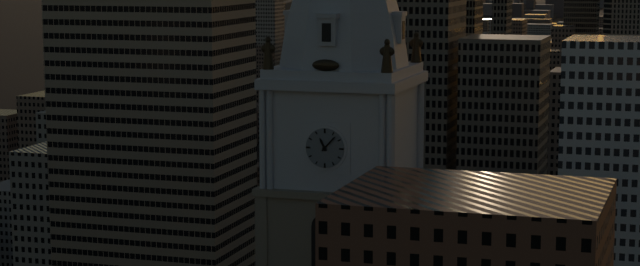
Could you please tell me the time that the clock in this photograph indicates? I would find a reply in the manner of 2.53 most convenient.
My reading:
11.07
